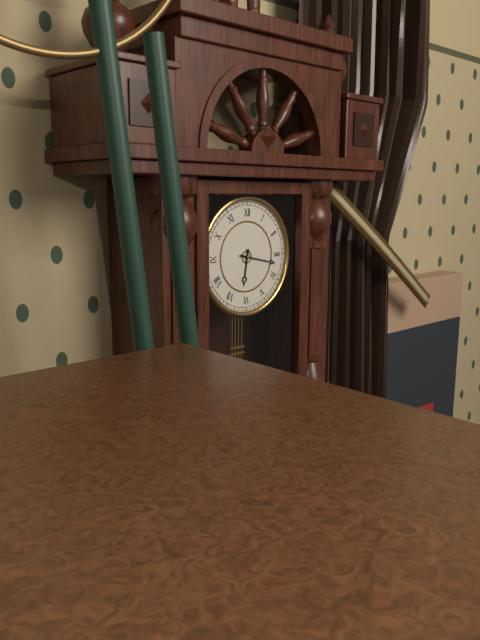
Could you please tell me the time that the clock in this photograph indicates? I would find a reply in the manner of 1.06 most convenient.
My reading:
6.17
